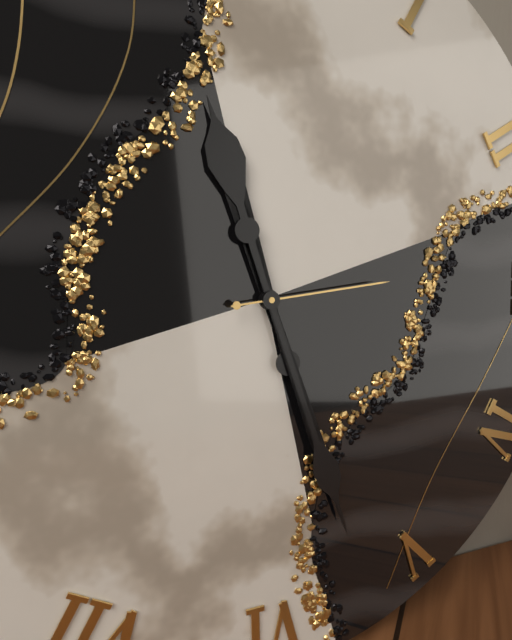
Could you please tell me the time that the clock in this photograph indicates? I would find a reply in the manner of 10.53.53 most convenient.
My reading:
11.27.14
